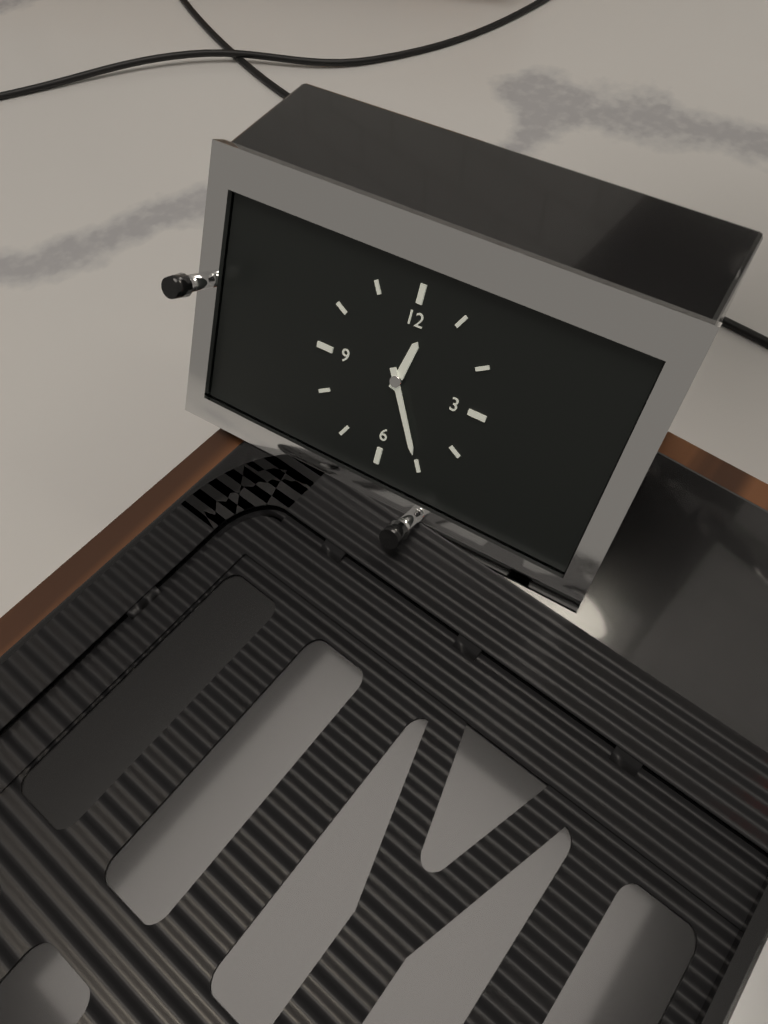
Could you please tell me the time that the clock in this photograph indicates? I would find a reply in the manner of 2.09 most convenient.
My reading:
12.25
